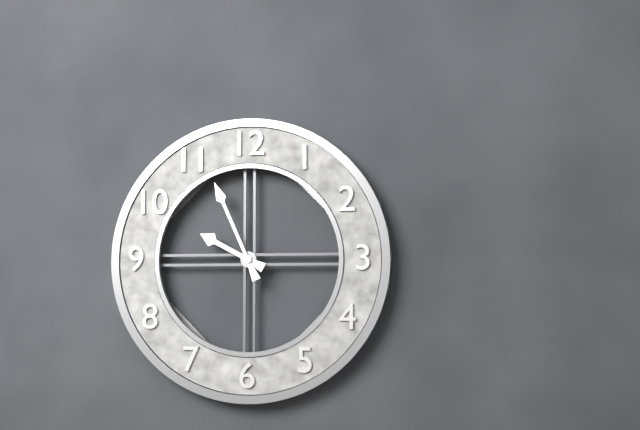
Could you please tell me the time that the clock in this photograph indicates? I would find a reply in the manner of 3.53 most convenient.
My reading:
9.56
